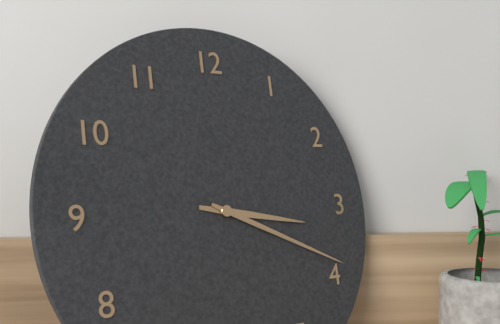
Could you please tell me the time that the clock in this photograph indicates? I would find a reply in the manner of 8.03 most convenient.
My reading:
3.19
